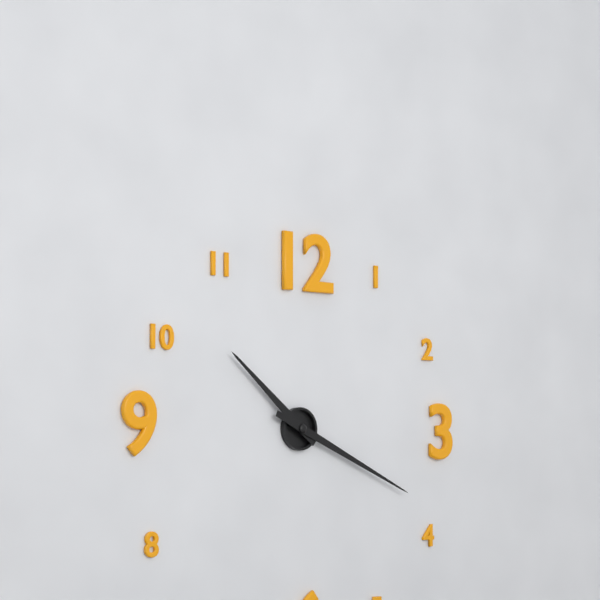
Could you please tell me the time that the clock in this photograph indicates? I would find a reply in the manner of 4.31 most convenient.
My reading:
10.19
